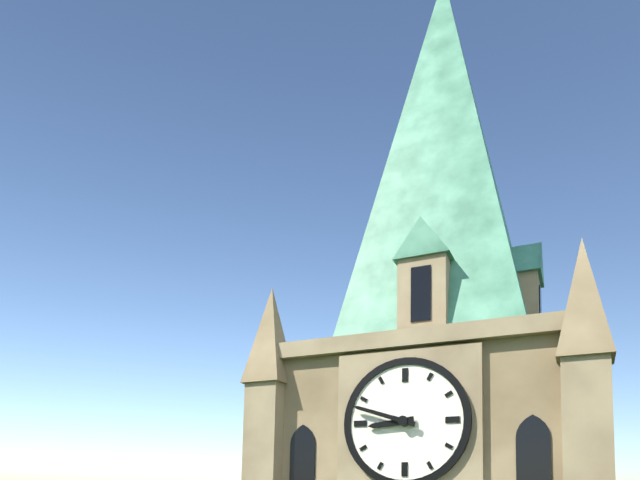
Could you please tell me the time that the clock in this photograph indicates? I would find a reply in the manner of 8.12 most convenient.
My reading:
8.48
